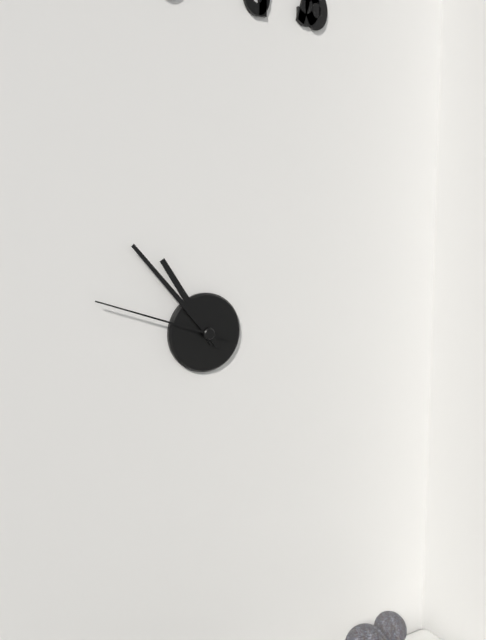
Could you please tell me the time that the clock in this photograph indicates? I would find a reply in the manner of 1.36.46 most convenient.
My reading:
10.53.48
